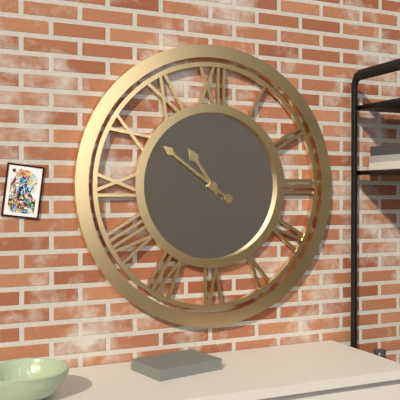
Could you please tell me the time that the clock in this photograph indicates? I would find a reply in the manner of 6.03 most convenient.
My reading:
10.51
